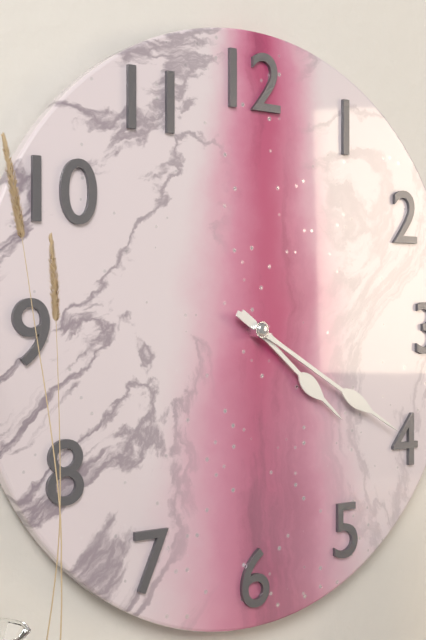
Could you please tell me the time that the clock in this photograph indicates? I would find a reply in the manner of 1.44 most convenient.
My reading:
4.20
